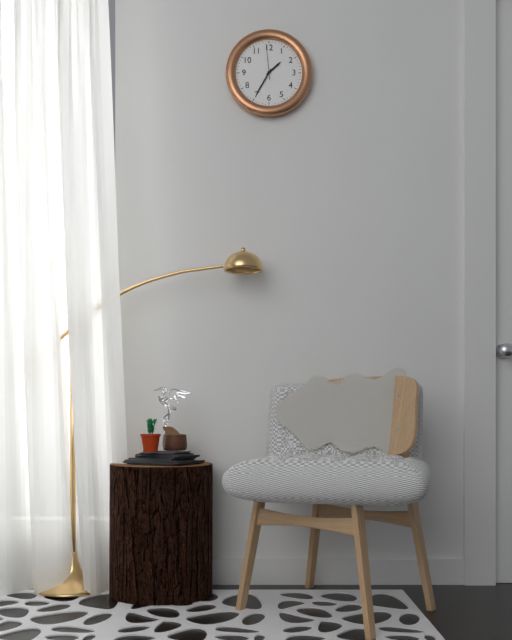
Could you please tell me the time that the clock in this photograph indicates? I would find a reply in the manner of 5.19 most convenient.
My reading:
1.35
